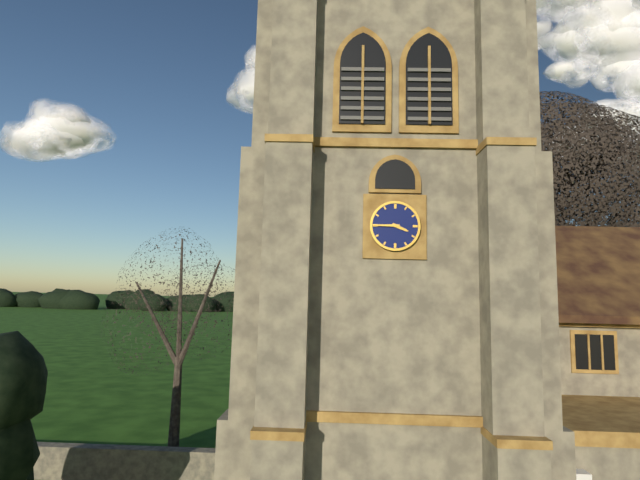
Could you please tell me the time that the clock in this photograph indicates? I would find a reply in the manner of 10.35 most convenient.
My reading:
3.45
